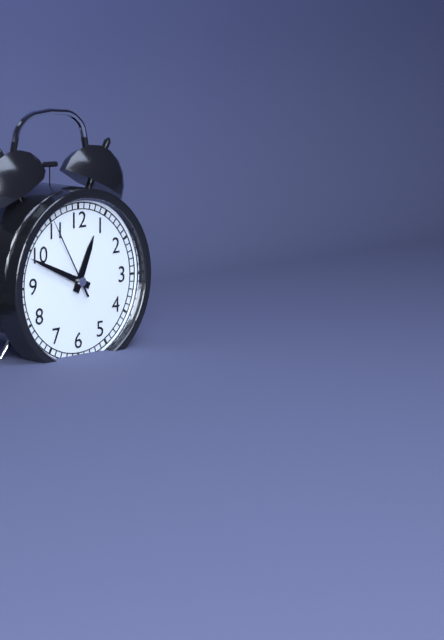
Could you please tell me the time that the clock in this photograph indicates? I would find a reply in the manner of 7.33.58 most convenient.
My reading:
12.49.55
